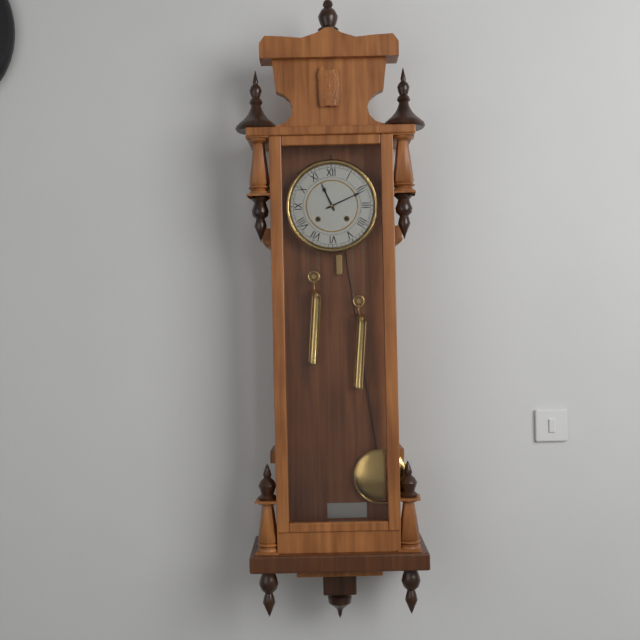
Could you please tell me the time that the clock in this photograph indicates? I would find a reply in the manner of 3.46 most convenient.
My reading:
11.11
